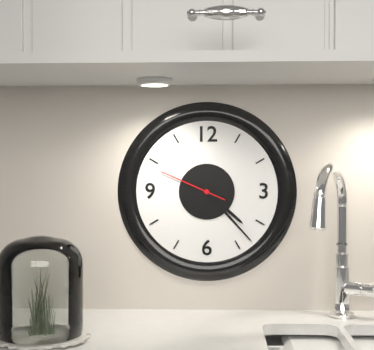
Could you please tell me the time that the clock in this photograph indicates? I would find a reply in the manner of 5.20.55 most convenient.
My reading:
4.23.49
